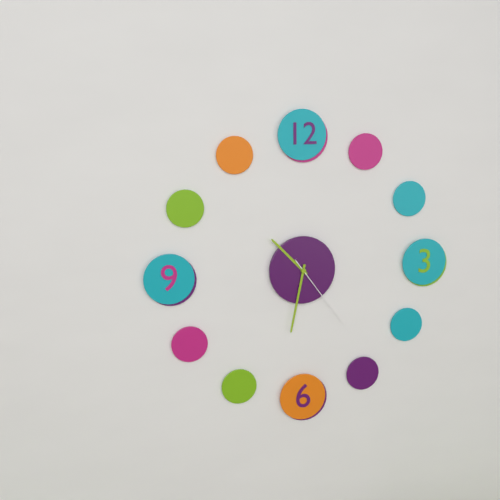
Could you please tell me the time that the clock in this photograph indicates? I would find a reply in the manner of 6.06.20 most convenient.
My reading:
10.32.24
